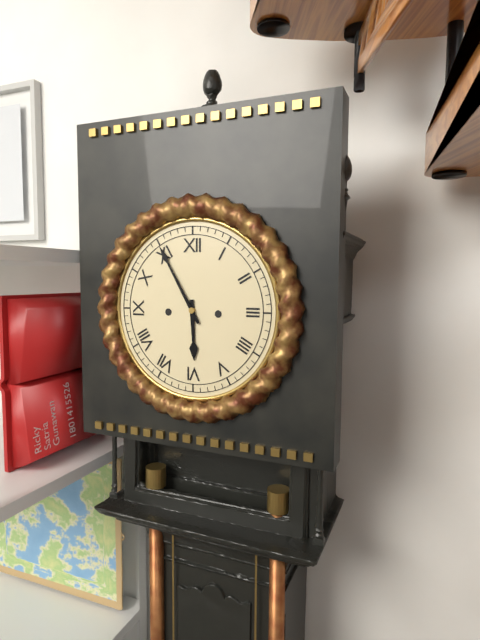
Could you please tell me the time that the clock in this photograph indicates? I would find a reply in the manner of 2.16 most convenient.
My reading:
5.55
